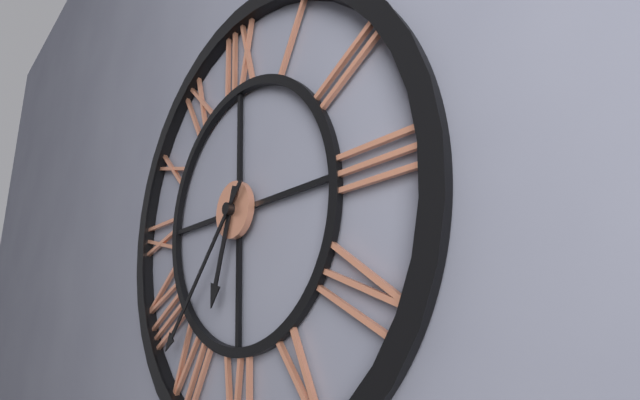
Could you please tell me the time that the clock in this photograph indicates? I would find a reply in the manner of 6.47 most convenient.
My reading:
6.37
